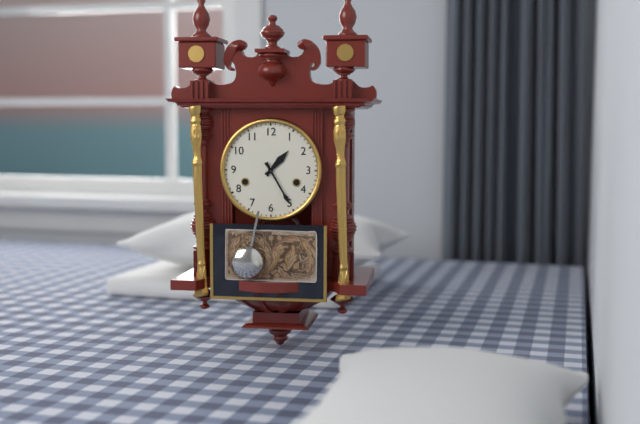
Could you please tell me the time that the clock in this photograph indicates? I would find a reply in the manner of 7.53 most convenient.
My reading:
1.25
